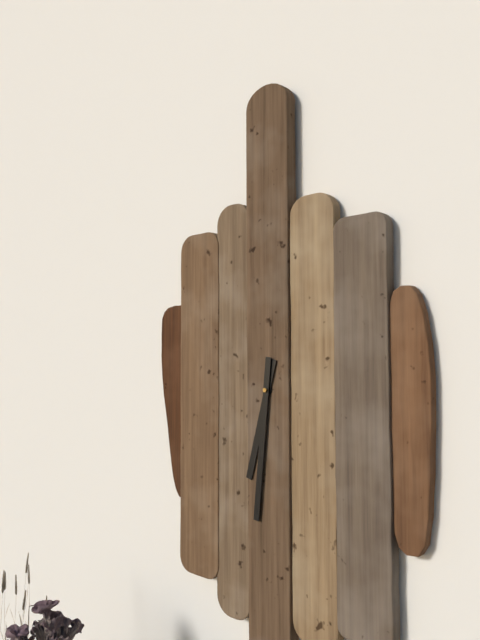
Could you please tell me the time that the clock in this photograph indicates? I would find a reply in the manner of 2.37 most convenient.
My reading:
6.31
